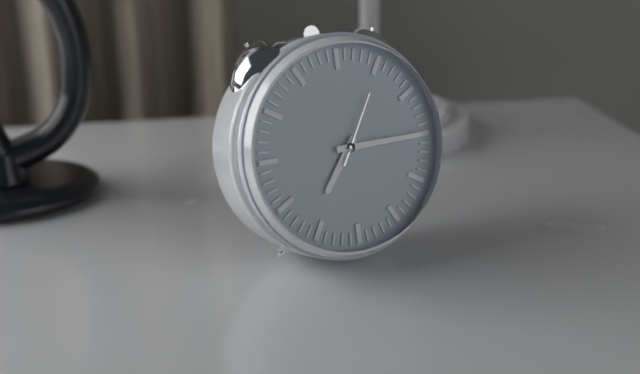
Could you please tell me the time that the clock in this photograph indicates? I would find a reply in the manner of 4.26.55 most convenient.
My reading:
7.15.05
